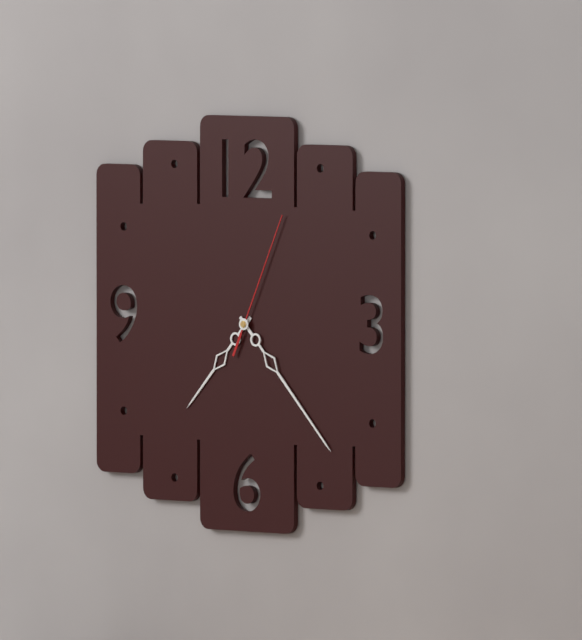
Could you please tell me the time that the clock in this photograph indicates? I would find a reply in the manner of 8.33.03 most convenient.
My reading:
7.23.04
